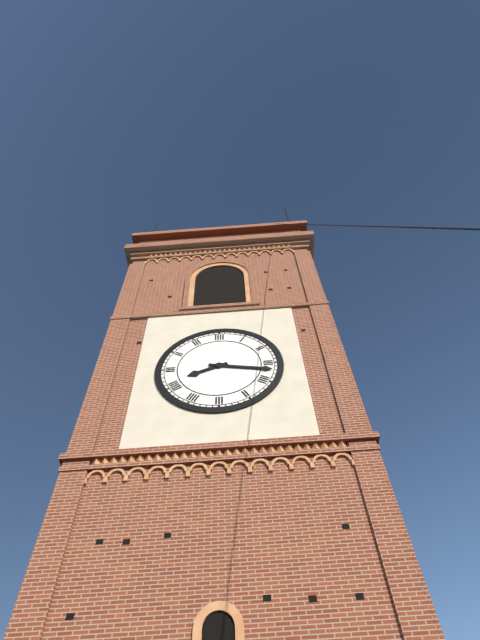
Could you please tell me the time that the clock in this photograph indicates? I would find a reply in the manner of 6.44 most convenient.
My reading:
8.17
